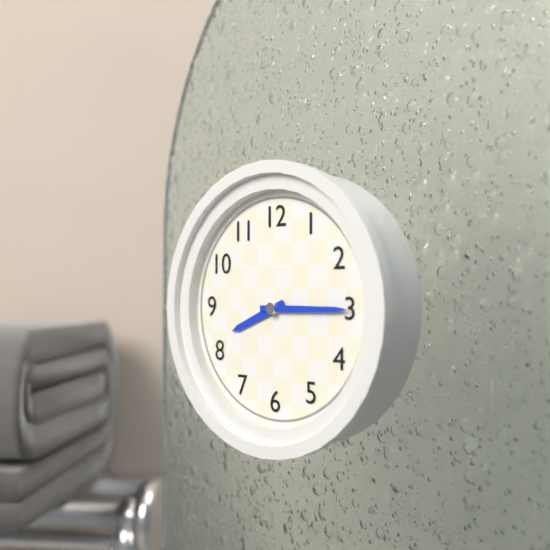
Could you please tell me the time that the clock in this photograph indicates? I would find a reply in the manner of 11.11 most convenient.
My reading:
8.15
